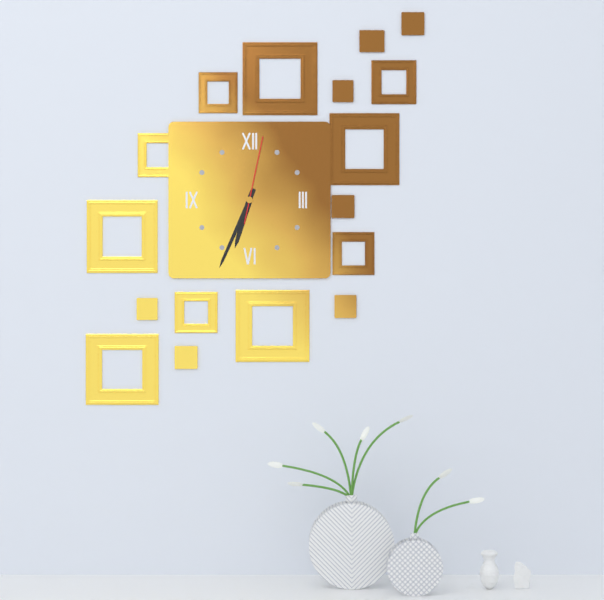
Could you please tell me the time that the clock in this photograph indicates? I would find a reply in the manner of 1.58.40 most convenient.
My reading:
6.34.02
